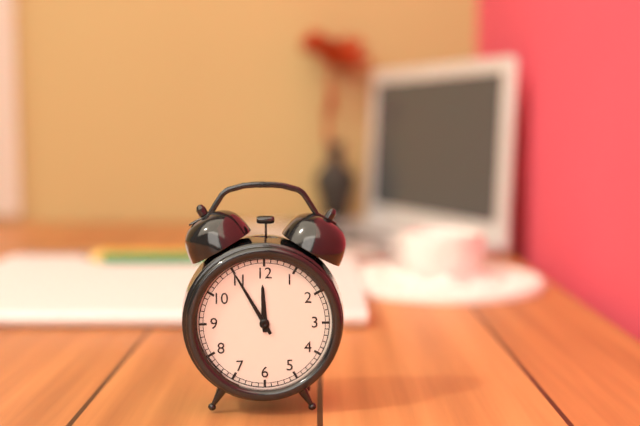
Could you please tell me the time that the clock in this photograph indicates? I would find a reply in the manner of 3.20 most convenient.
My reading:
11.55
